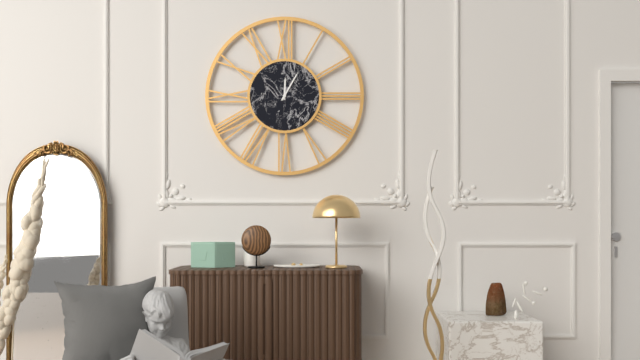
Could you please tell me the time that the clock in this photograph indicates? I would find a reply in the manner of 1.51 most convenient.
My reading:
12.05
